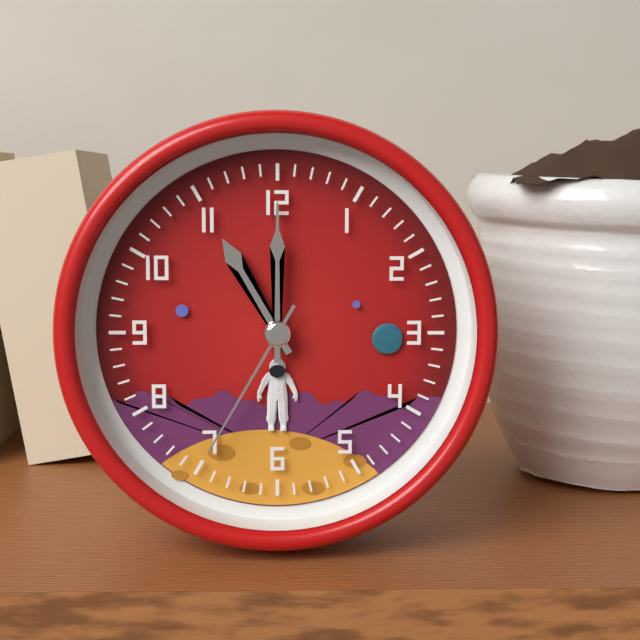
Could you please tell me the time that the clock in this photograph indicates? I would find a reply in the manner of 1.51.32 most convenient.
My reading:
11.00.35
